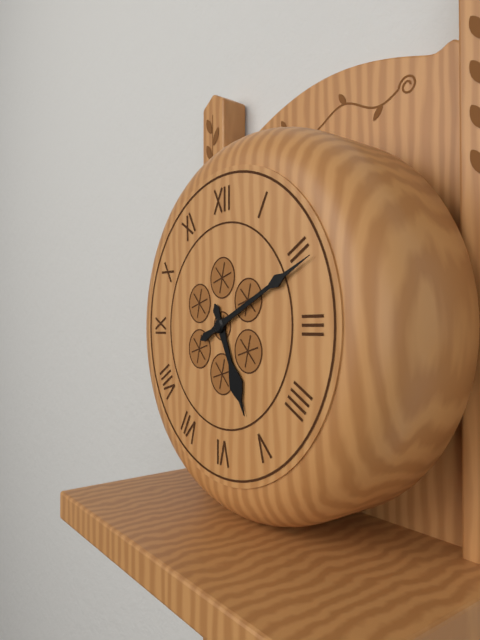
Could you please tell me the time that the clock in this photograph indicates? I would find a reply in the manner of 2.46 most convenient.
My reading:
5.11
